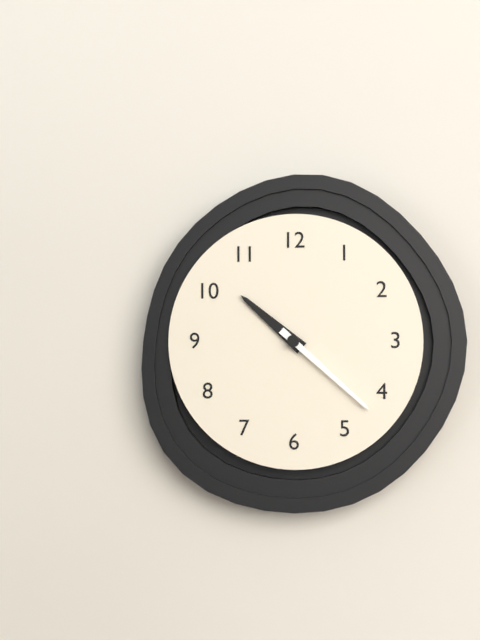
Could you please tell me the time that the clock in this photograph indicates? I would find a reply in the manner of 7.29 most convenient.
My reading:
10.22
